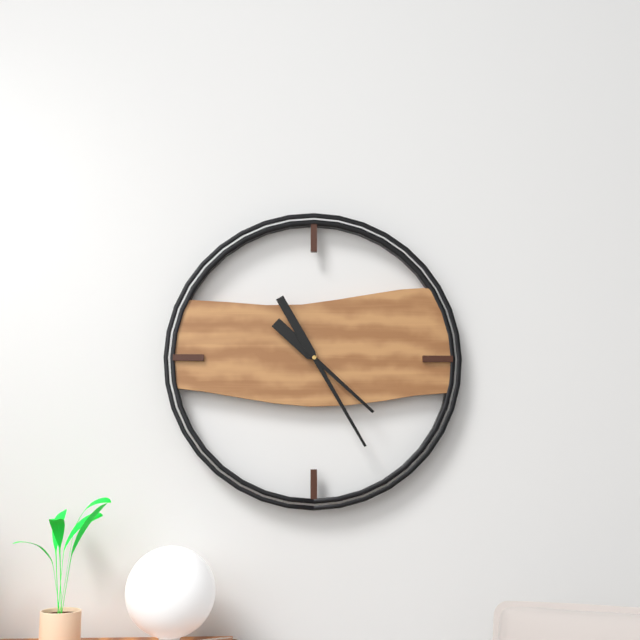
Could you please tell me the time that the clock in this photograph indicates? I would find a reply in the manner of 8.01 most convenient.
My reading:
4.25
